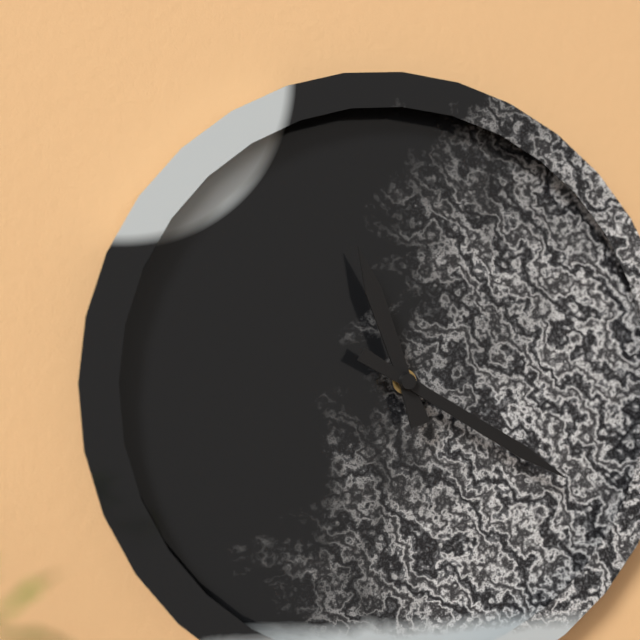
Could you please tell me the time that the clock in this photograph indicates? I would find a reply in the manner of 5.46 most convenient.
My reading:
11.20
